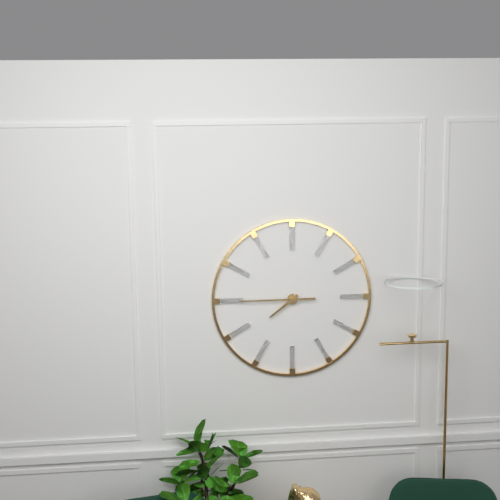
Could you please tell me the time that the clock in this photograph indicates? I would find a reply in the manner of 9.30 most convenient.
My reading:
7.45
